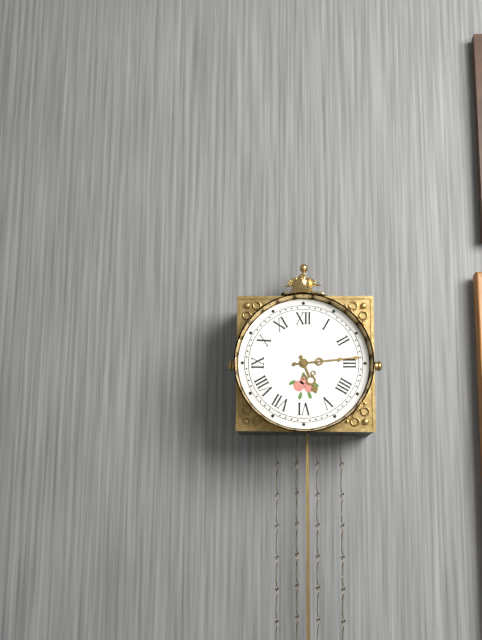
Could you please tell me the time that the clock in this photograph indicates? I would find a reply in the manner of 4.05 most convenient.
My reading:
5.14
